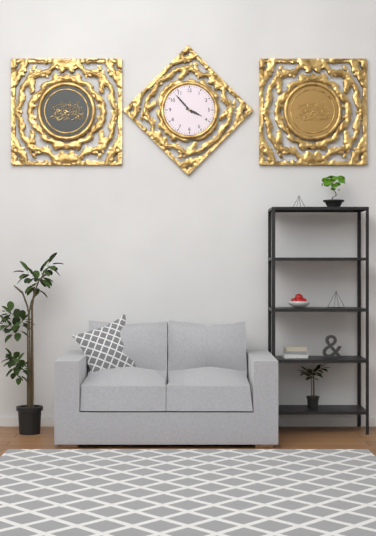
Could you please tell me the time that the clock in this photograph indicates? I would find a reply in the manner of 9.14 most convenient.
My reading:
3.53
